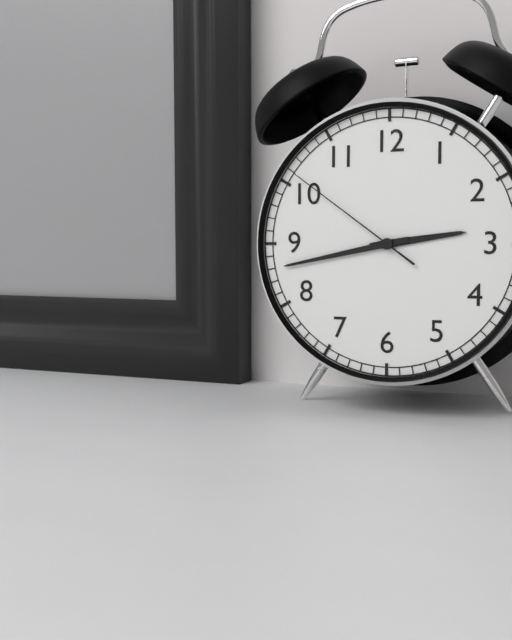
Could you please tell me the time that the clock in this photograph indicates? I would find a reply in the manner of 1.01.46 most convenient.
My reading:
2.43.51
